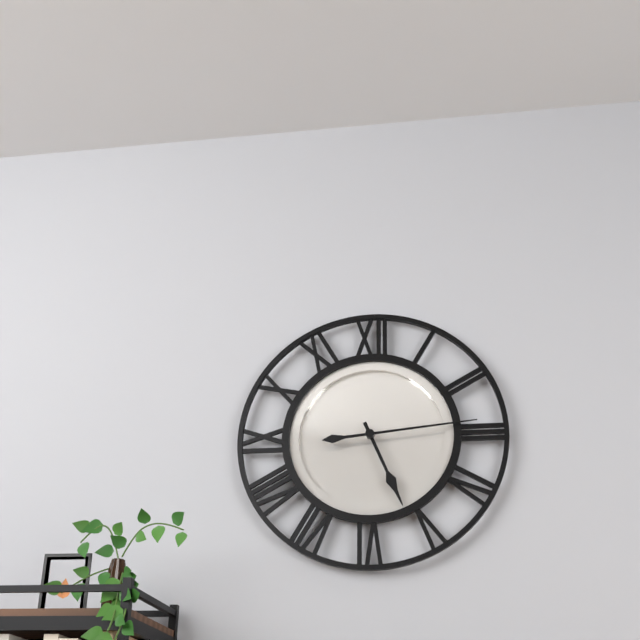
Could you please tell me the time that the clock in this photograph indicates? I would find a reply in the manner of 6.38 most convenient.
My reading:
5.14
